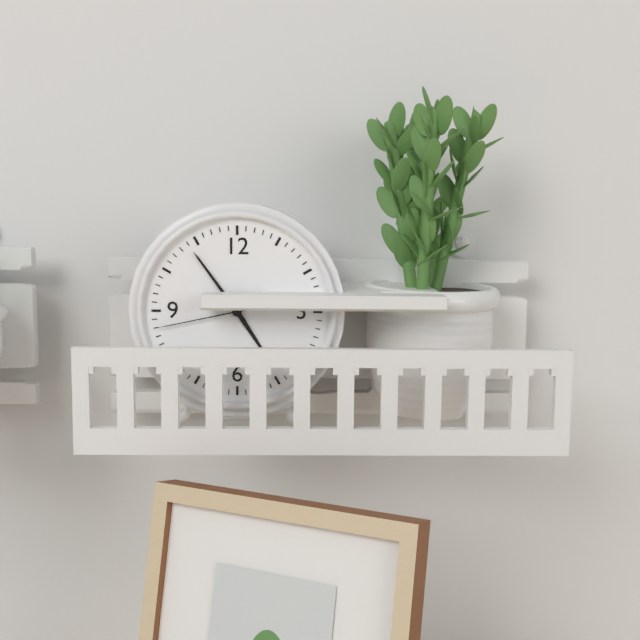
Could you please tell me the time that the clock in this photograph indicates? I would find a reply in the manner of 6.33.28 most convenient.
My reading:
4.54.43
